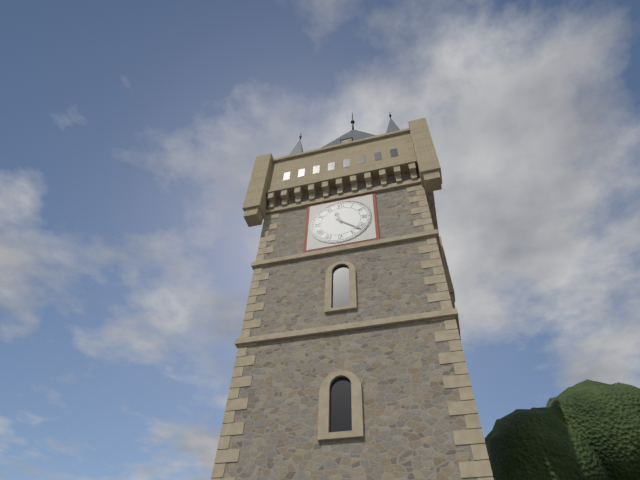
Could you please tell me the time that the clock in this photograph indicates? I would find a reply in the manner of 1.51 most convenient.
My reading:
11.22
